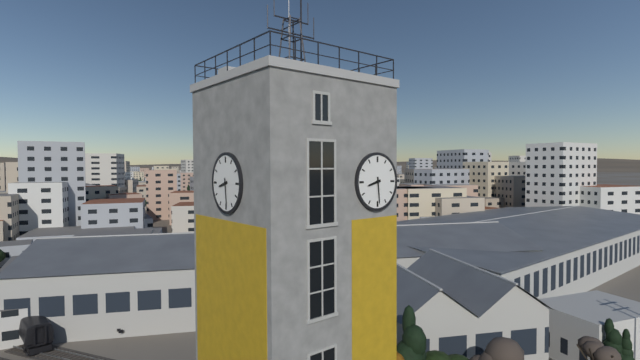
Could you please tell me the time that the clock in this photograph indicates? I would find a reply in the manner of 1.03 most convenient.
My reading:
8.29
